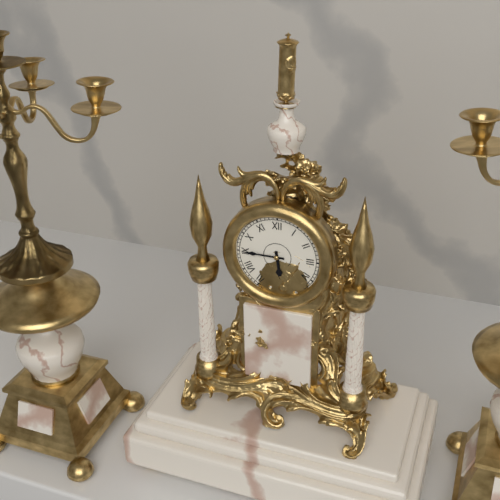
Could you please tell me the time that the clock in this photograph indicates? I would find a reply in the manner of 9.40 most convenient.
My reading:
5.45
